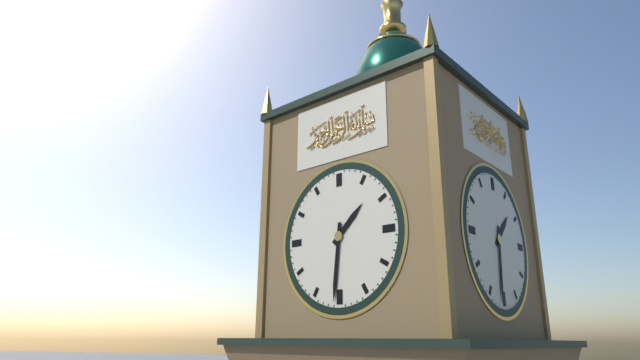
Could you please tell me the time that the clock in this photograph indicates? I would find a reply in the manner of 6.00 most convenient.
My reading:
1.31
